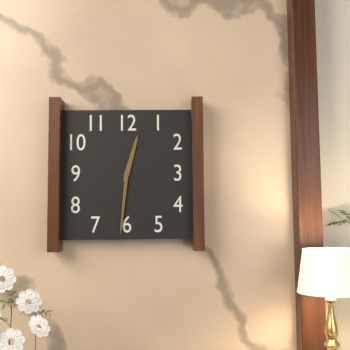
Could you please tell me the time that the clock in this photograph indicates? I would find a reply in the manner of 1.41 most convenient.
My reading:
12.31
